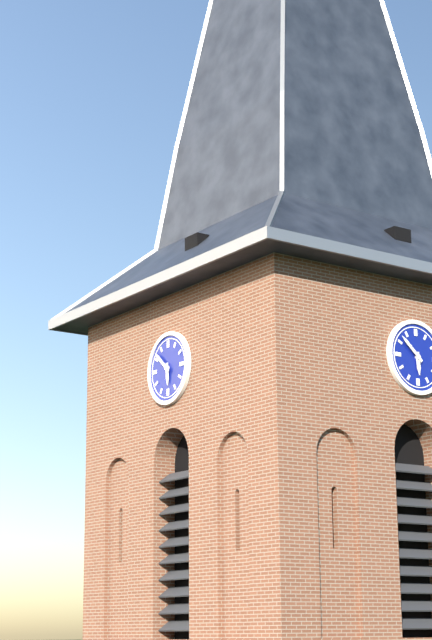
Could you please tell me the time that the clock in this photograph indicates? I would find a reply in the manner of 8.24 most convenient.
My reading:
5.52
